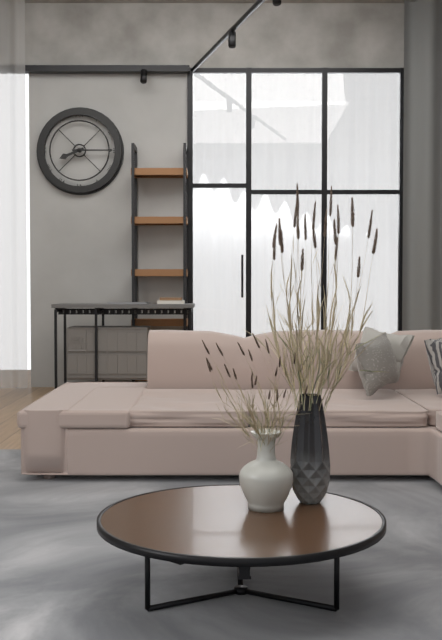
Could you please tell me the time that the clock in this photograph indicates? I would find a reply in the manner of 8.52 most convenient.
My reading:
8.15
